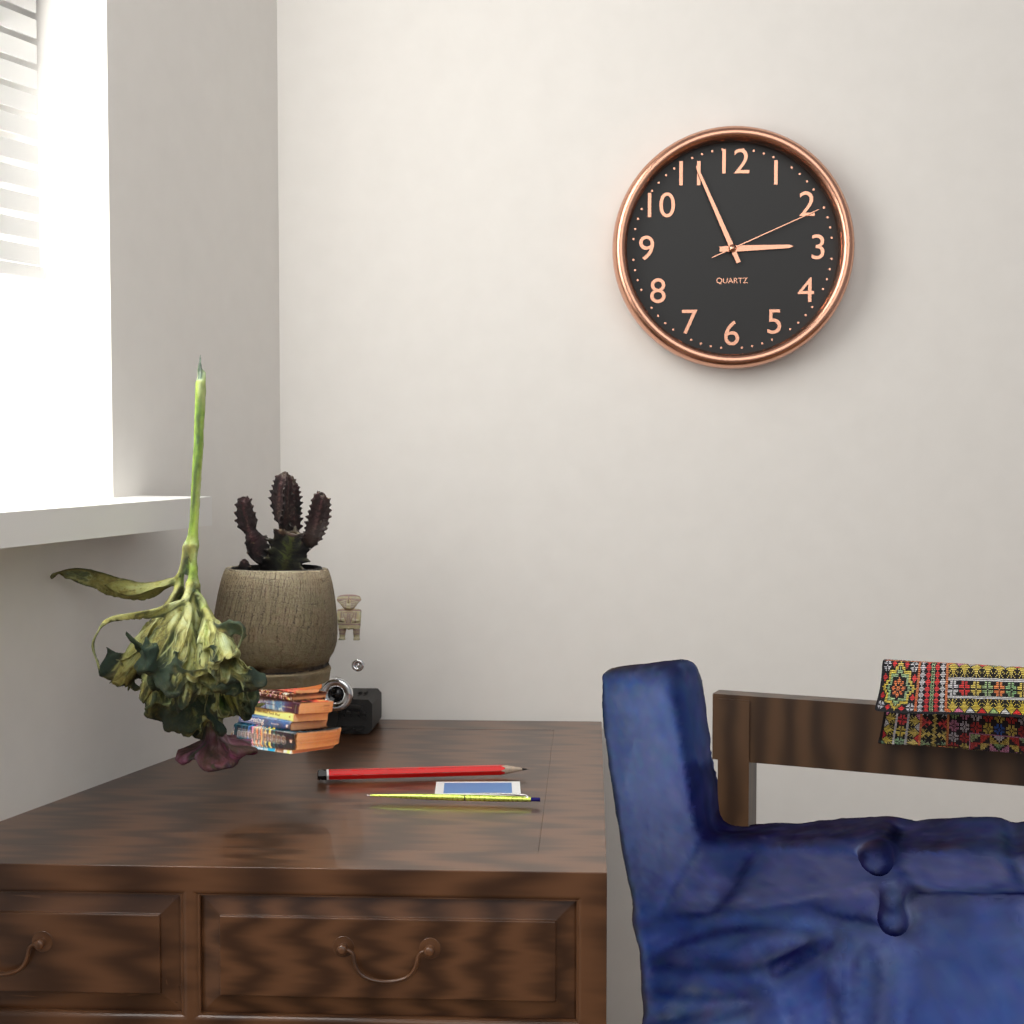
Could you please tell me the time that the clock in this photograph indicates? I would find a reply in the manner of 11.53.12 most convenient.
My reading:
2.56.11
